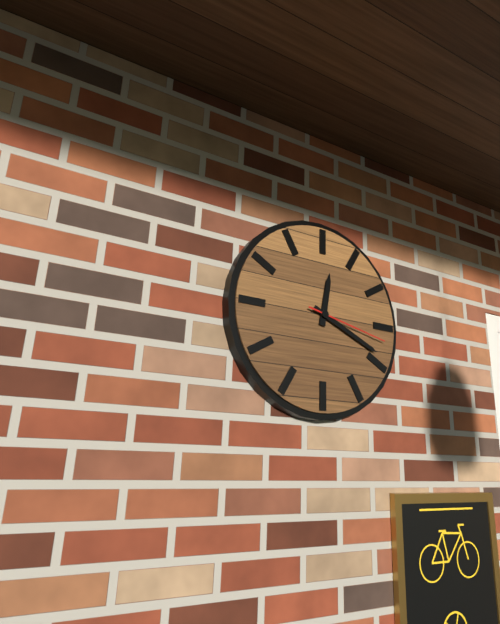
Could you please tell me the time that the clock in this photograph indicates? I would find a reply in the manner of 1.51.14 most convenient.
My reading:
12.19.17
